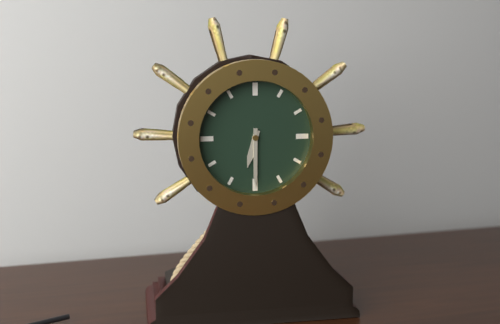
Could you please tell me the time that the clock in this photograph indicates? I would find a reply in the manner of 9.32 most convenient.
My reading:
6.30
